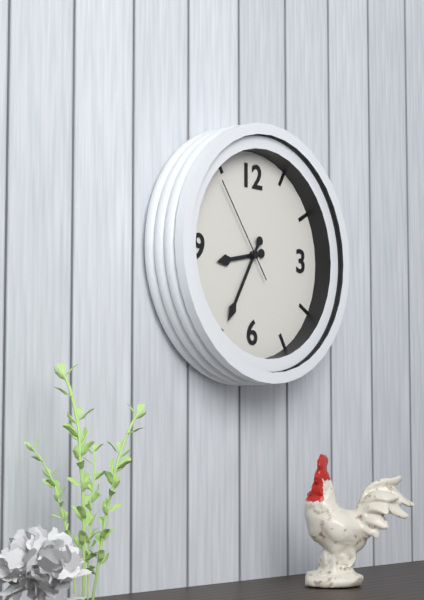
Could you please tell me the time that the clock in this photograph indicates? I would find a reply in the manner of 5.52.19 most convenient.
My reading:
8.35.54
